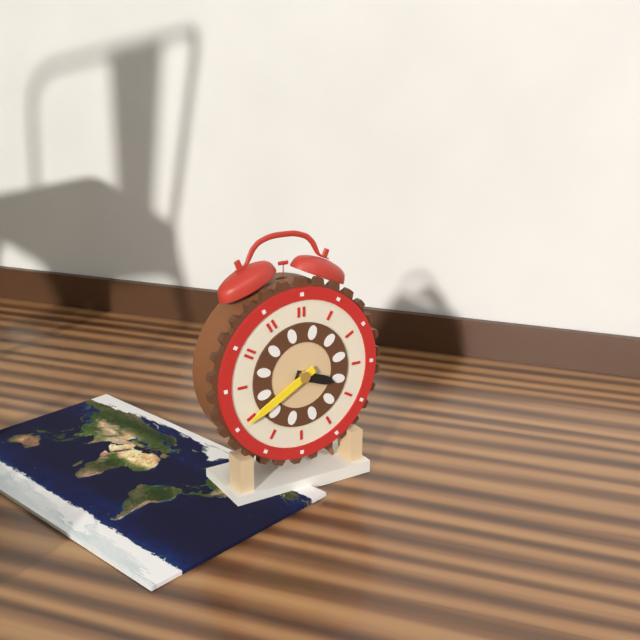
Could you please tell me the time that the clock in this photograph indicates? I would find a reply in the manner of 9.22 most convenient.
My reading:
3.40
